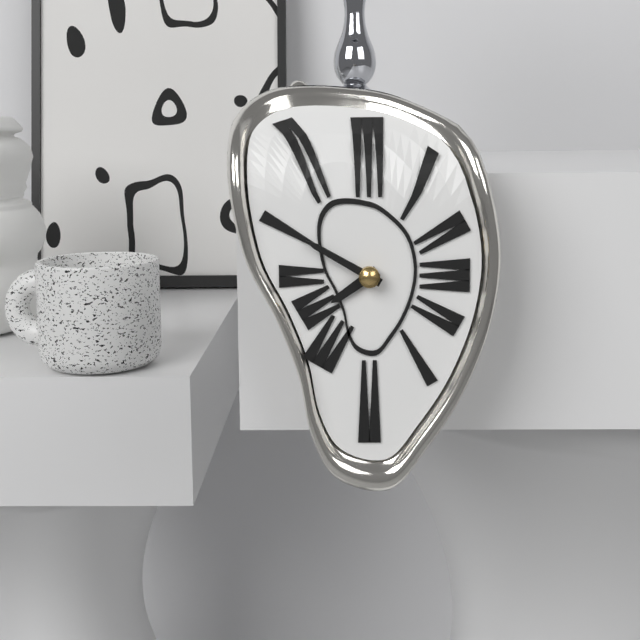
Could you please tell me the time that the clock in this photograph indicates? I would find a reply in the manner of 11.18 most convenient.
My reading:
7.50
